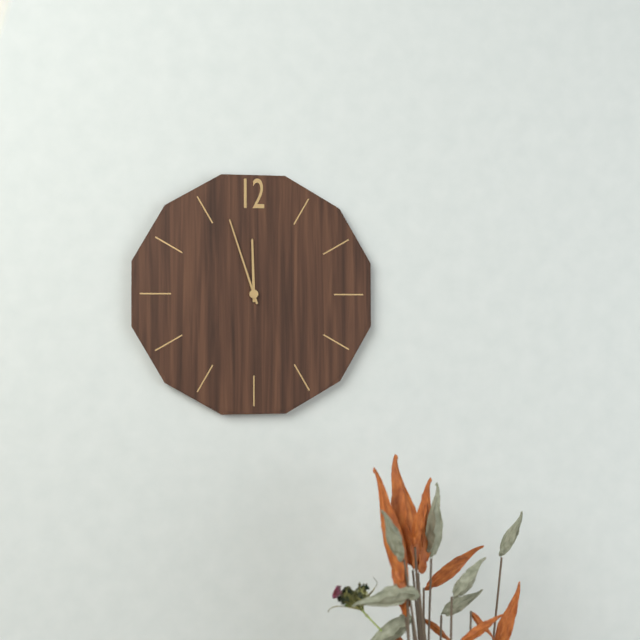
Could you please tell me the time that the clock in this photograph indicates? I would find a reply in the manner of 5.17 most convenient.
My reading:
11.57
